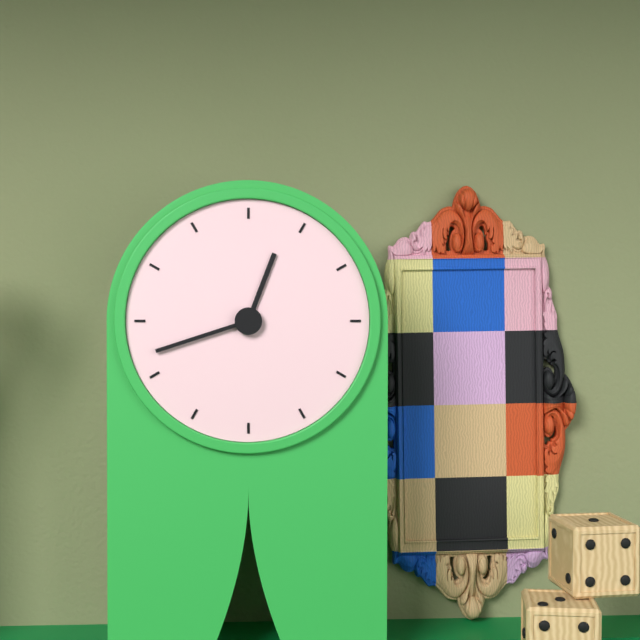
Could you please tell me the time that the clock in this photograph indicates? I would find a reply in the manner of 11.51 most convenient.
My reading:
12.42
